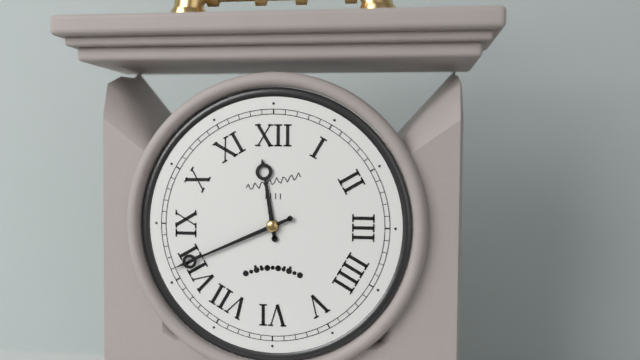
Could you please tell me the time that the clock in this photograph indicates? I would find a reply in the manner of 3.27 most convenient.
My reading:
11.41
